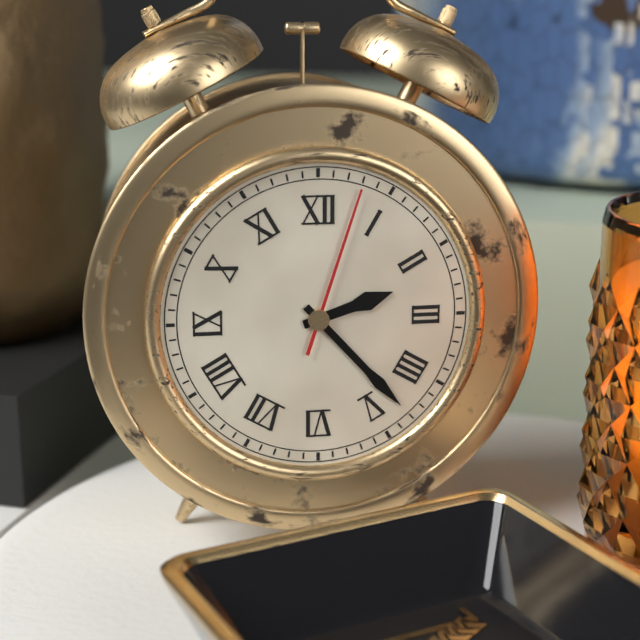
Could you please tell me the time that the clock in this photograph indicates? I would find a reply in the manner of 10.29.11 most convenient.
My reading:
2.23.03
